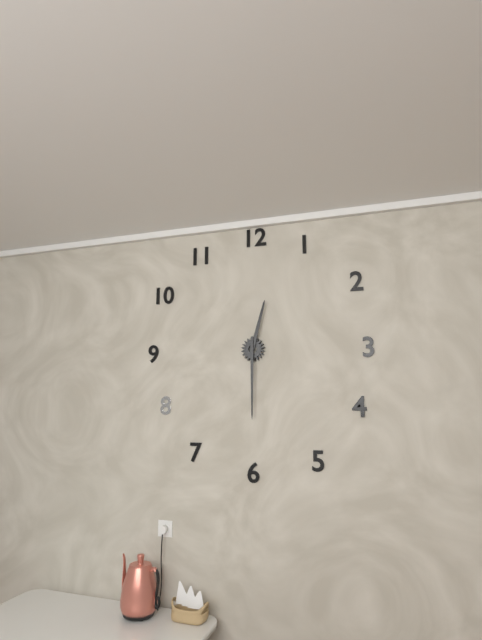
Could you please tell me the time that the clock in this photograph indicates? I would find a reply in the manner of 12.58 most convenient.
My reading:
12.30
